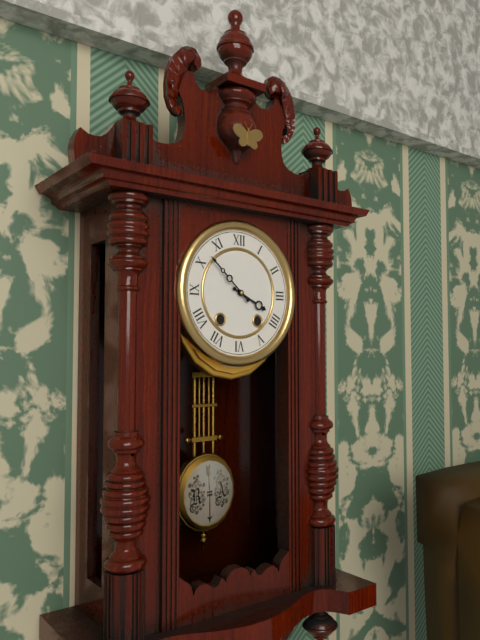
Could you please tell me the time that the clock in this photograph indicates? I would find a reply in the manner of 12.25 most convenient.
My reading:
3.52
